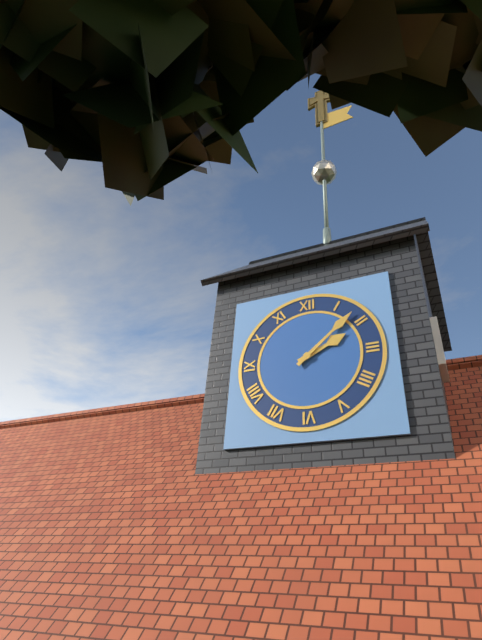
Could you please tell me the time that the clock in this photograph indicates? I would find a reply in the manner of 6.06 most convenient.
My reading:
2.08
